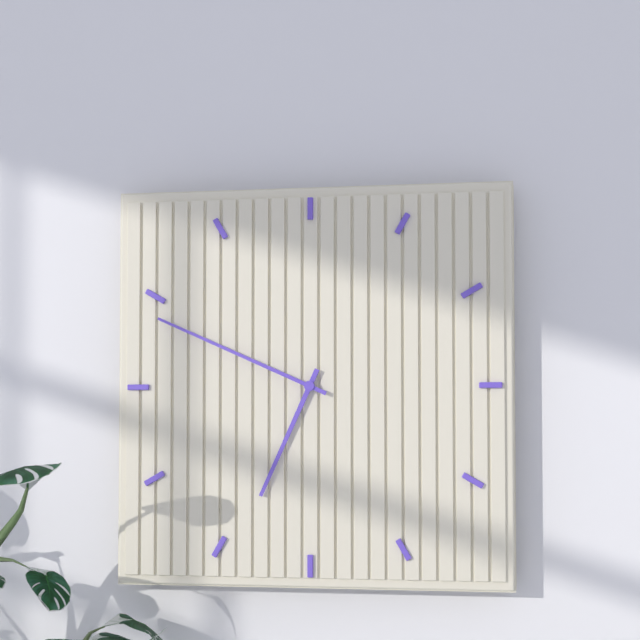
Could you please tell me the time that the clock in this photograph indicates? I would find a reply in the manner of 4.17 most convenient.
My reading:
6.49
